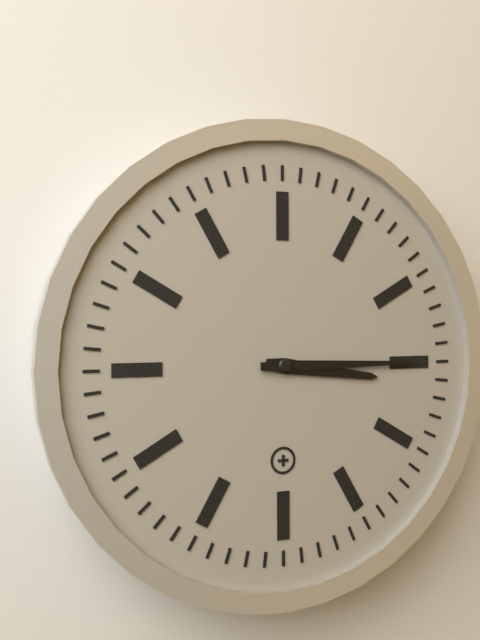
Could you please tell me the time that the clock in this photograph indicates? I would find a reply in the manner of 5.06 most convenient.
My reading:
3.15
